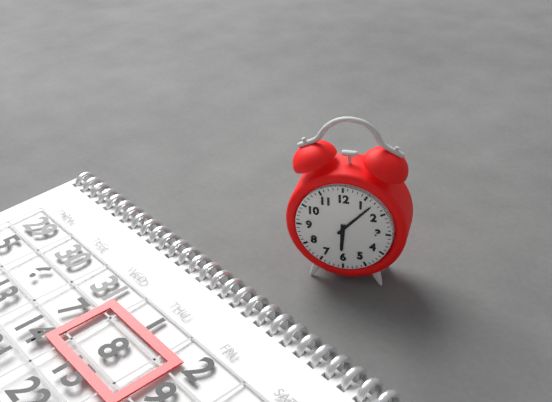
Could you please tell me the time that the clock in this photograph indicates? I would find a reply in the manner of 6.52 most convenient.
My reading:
6.07
